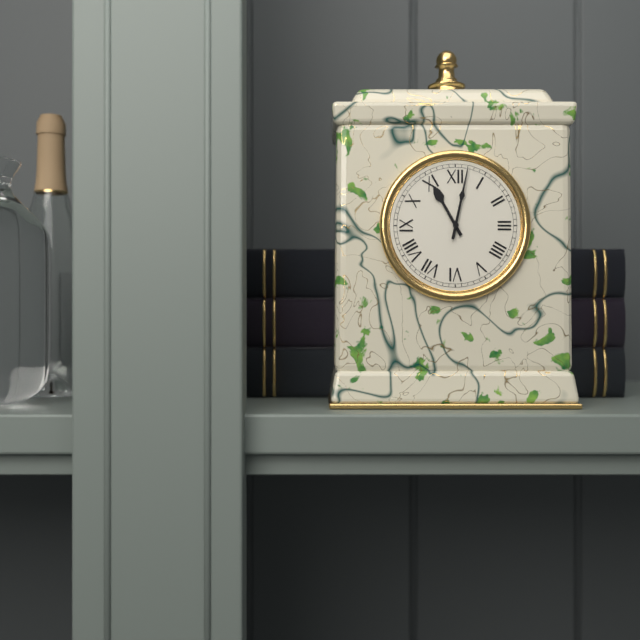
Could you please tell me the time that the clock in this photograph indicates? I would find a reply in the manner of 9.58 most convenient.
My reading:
11.02
